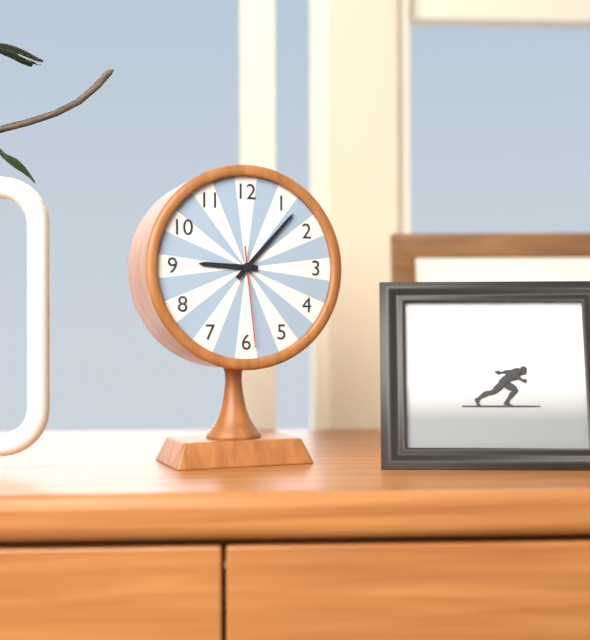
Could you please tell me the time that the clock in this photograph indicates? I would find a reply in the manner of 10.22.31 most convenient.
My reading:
9.07.29
